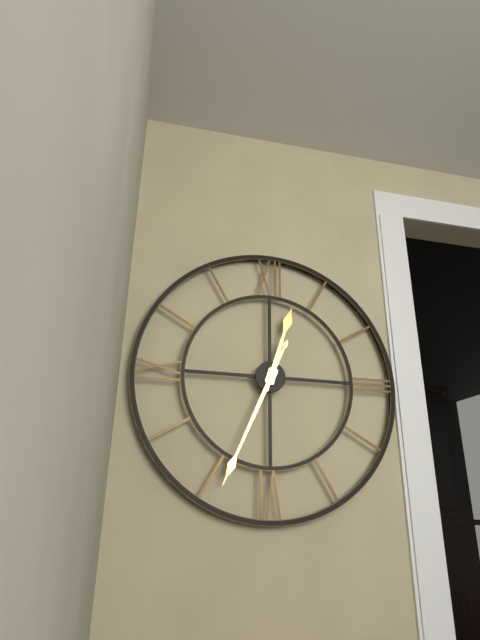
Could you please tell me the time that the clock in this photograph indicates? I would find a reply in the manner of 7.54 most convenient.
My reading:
12.34
